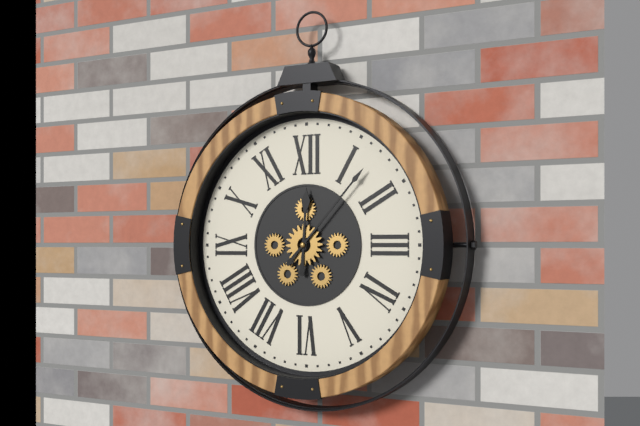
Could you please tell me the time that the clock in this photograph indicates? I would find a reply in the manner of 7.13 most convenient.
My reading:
12.07
